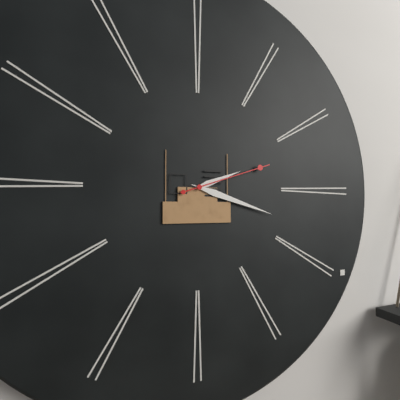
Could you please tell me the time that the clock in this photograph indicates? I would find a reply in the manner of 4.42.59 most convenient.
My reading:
2.18.12
